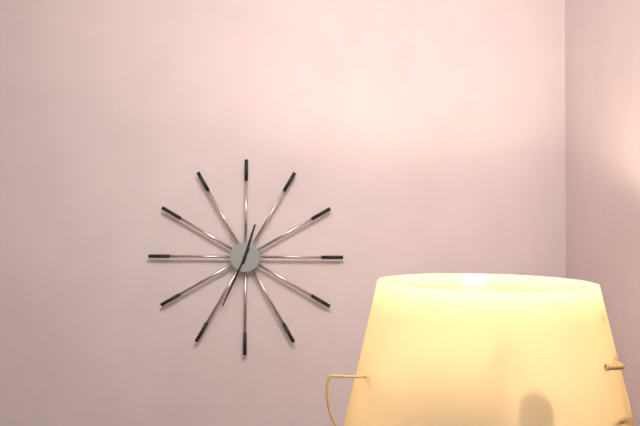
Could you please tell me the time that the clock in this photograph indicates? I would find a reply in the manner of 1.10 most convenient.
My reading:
12.34
